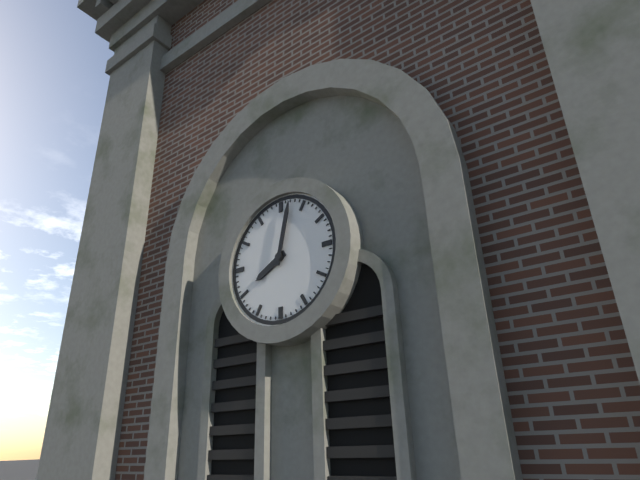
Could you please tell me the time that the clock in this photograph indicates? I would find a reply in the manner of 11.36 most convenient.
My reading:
8.02
